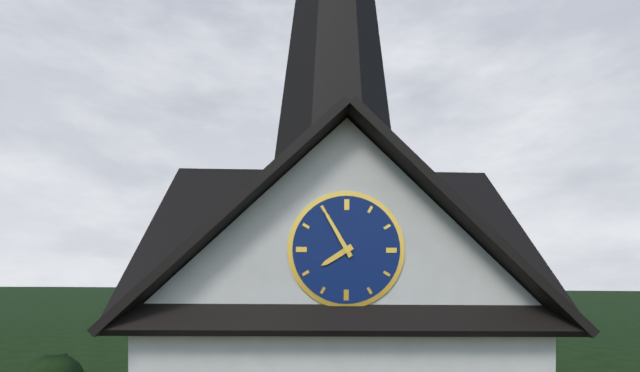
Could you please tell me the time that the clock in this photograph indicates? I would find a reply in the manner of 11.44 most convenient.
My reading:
7.55
